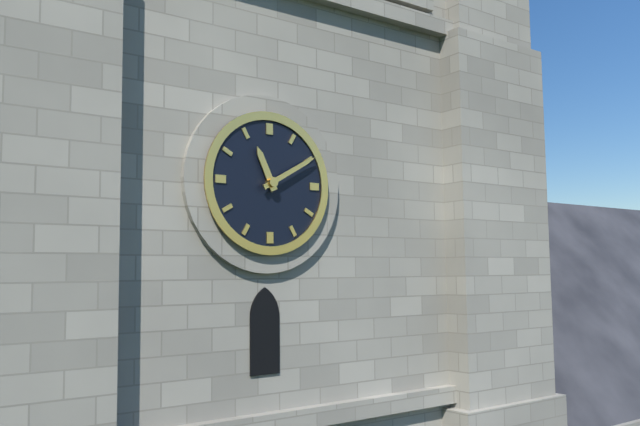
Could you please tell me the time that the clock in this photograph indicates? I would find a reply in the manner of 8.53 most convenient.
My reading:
11.10
